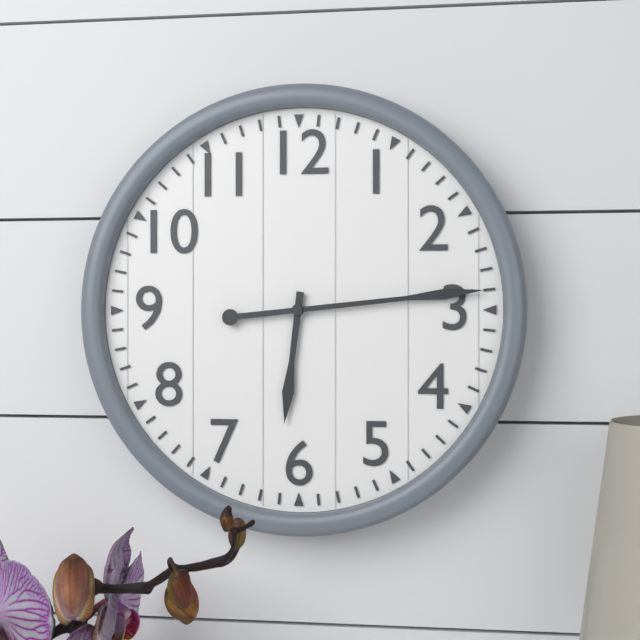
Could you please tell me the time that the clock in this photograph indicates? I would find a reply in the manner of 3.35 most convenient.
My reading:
6.14
